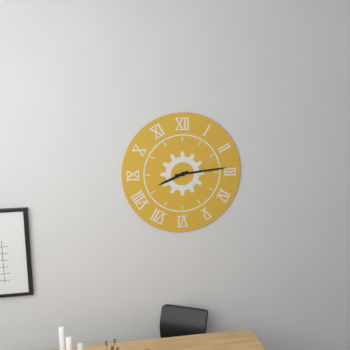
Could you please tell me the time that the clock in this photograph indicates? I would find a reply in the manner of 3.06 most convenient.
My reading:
8.14
